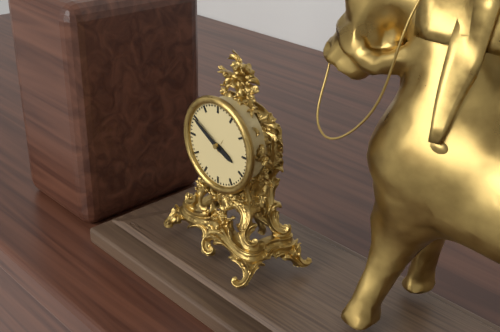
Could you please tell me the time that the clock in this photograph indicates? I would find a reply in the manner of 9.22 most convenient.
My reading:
3.50
